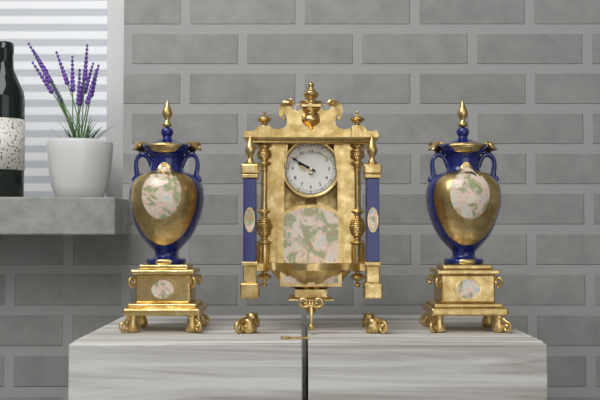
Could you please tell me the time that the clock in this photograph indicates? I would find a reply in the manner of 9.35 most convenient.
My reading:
9.50
